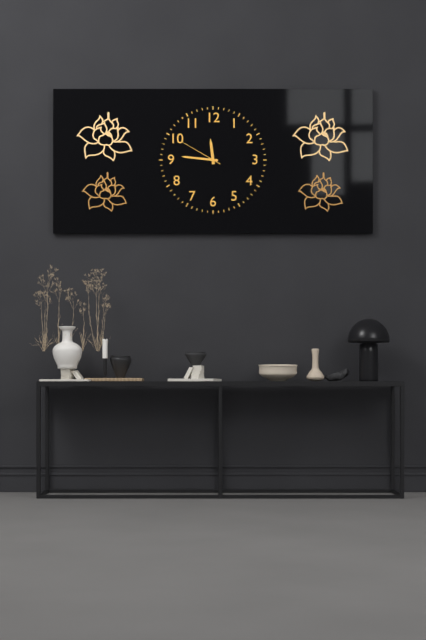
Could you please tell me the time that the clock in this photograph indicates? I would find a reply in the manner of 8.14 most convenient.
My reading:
11.46
